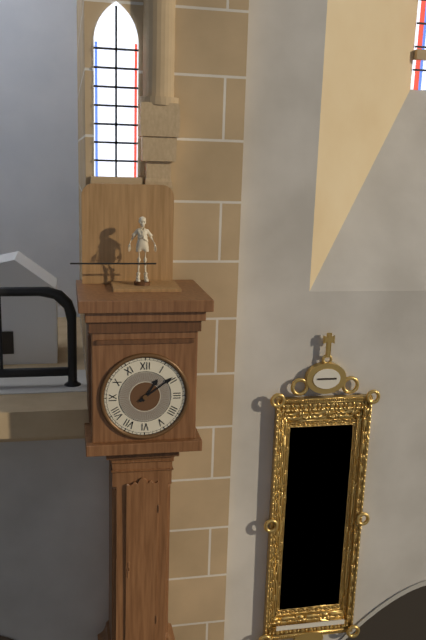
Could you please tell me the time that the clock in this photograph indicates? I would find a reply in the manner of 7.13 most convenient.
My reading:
1.09
